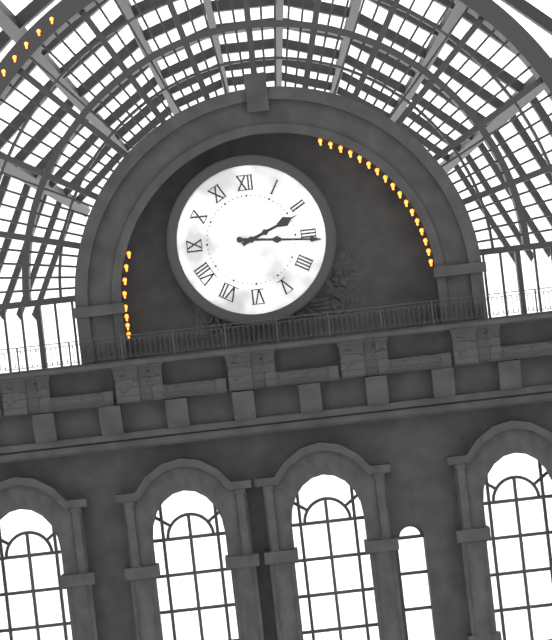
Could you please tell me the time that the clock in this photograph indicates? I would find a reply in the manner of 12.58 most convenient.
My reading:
2.16
